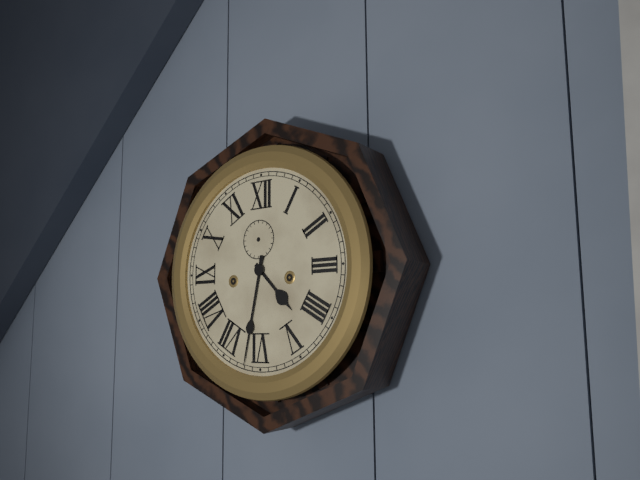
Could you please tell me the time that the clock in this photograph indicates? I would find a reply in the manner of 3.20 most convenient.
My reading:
4.32
